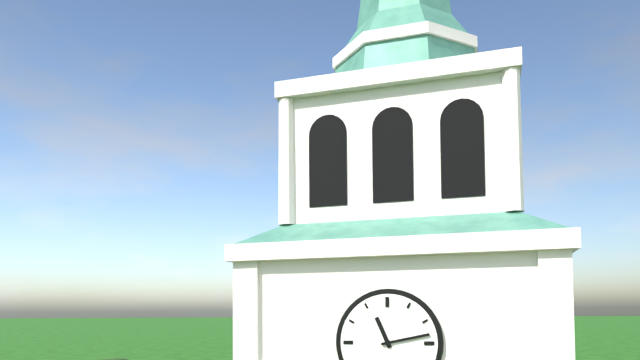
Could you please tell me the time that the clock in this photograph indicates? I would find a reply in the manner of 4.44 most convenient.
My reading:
11.13
